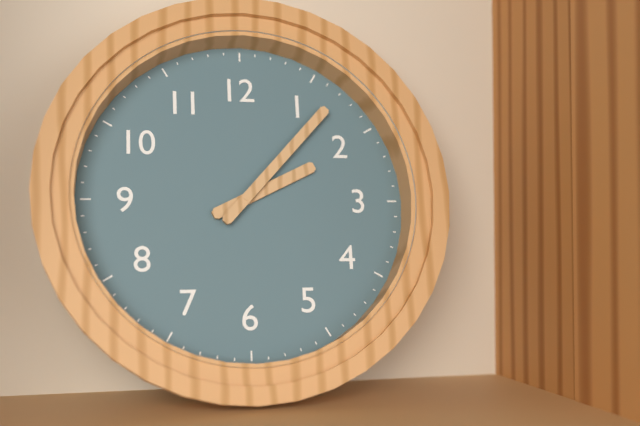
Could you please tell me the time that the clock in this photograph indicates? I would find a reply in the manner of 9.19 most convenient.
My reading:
2.07
